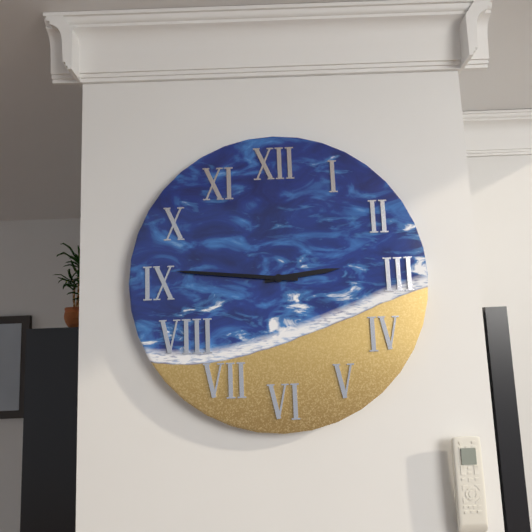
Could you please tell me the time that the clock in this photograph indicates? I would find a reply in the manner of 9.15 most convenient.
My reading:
2.46
